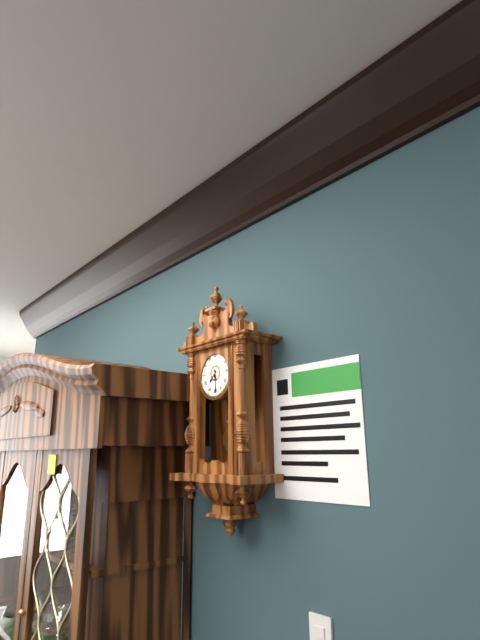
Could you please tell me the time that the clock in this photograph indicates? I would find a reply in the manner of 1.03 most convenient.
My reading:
7.29
